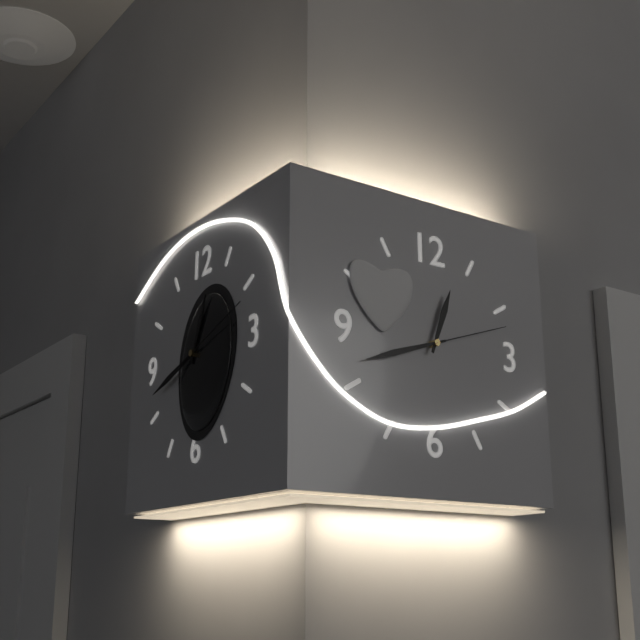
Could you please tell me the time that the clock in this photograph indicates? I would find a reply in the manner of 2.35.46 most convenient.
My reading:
12.42.12
